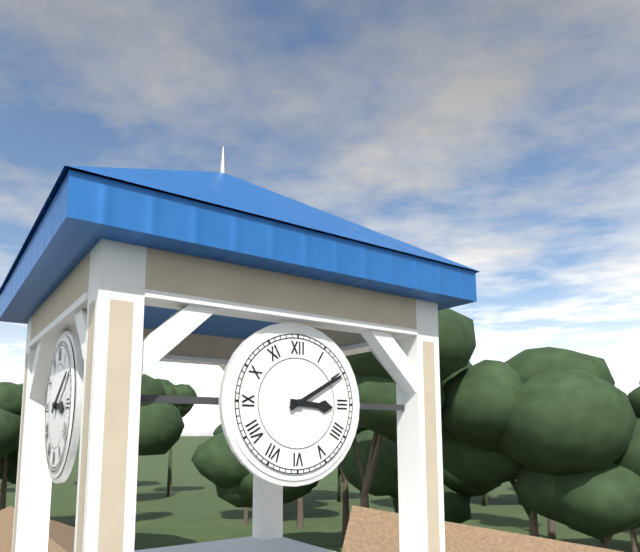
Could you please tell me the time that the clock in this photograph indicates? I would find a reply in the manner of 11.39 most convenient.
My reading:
3.10
